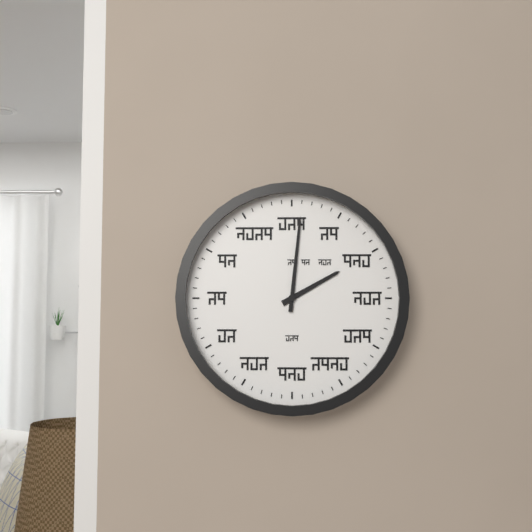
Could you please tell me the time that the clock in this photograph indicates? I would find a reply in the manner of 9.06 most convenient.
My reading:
2.01
